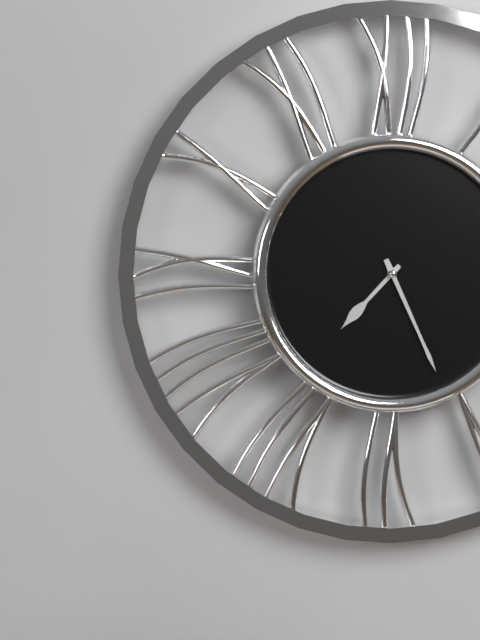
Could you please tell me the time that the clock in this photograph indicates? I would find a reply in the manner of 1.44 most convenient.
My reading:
7.26
